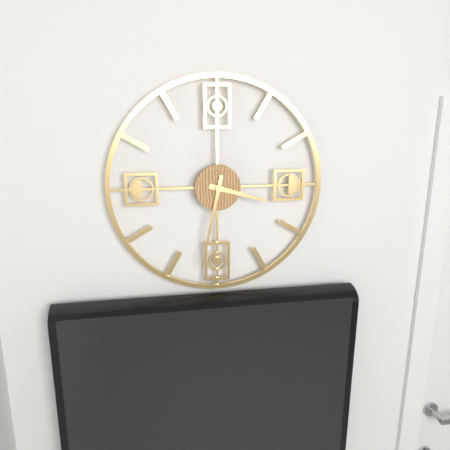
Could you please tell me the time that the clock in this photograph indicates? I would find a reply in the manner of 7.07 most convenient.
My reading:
3.32
